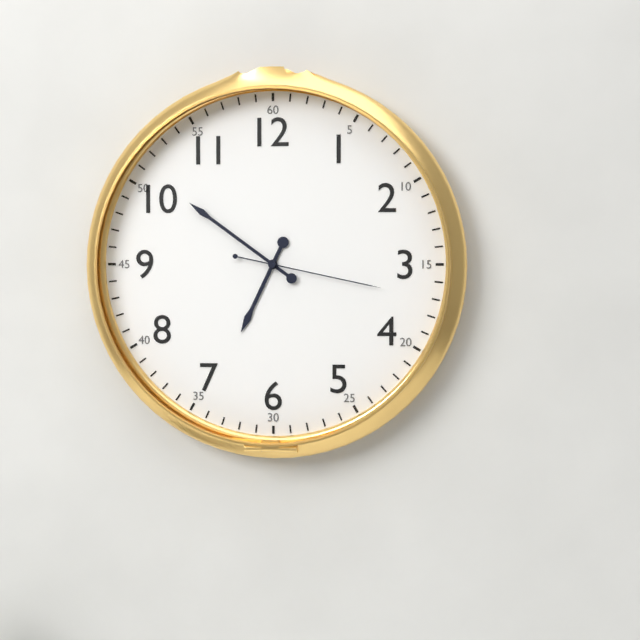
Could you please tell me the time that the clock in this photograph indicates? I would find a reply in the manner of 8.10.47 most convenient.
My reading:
6.51.17
